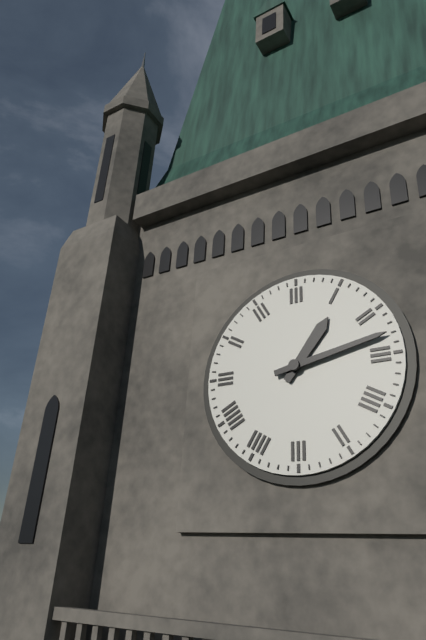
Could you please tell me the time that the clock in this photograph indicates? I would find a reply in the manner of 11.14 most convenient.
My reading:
1.13
